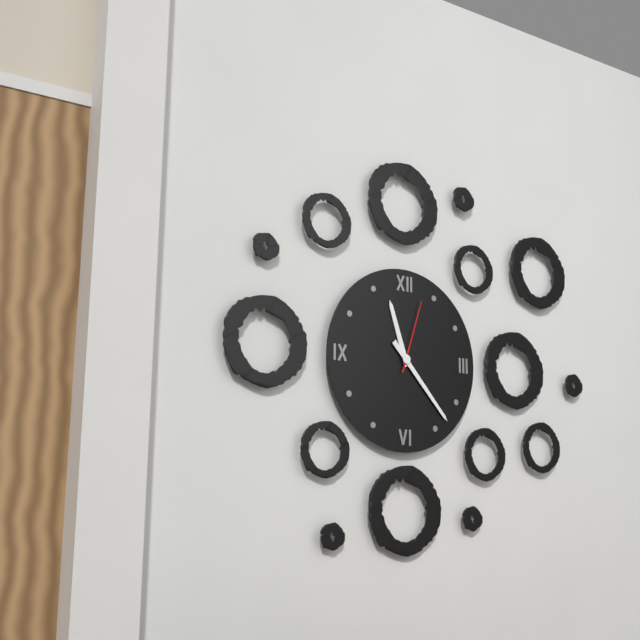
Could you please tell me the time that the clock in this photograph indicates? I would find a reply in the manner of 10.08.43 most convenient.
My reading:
11.23.03
